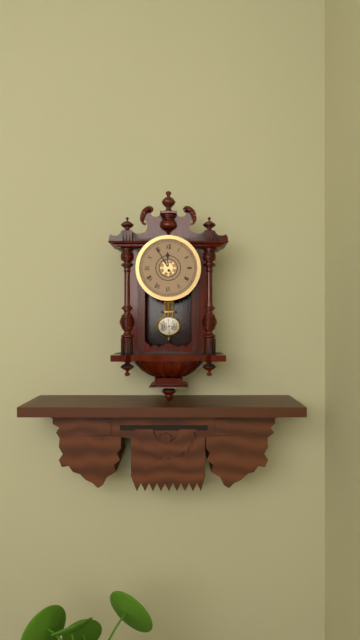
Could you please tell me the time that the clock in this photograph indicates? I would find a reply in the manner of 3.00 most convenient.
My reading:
11.55
